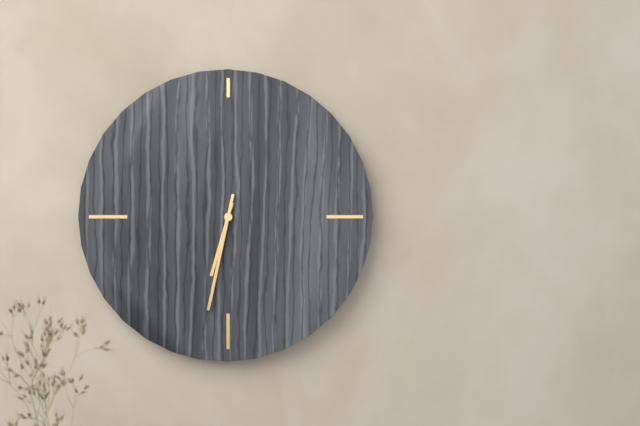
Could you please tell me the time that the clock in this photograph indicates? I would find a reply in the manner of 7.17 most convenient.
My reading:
6.32
